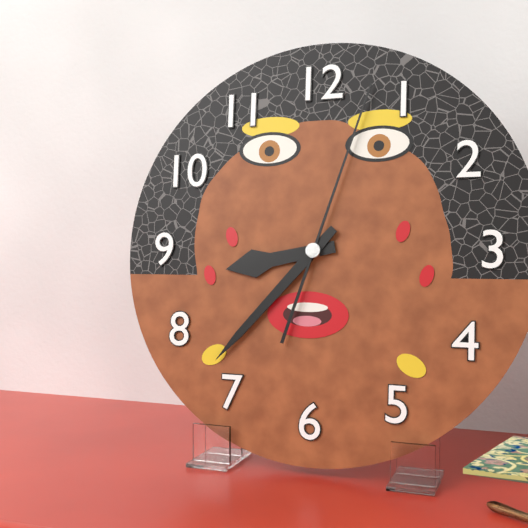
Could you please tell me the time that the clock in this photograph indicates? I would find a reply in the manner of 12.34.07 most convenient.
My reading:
8.37.03
